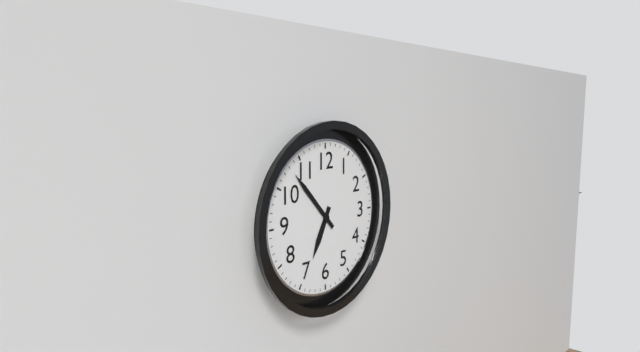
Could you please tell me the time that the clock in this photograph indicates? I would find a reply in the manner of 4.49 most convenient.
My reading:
6.53
